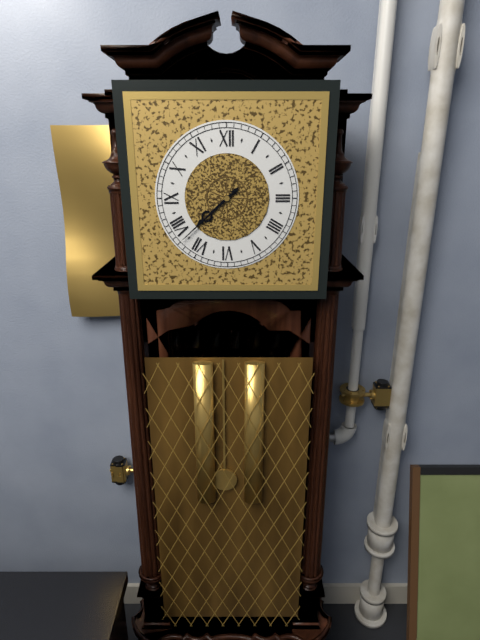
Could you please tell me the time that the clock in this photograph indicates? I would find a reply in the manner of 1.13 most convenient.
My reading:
7.38
